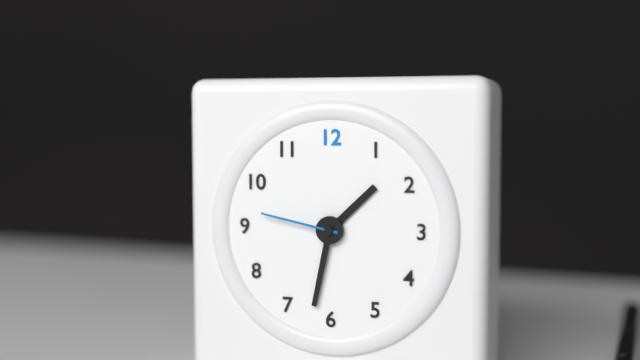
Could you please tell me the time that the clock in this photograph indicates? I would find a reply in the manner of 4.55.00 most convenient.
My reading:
1.32.47
